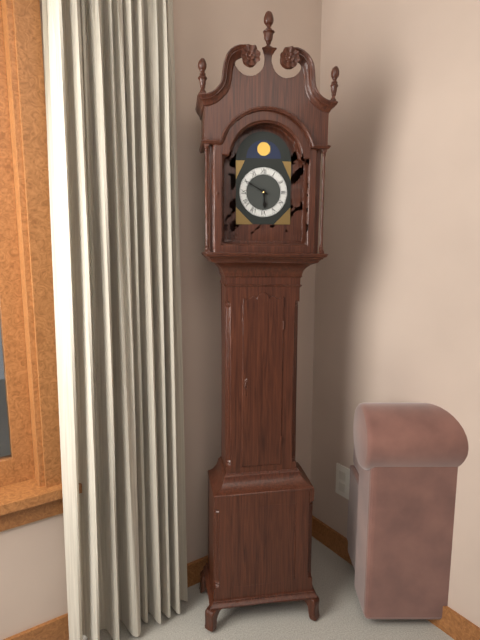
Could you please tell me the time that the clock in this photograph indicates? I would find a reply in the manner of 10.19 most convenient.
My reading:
5.50
